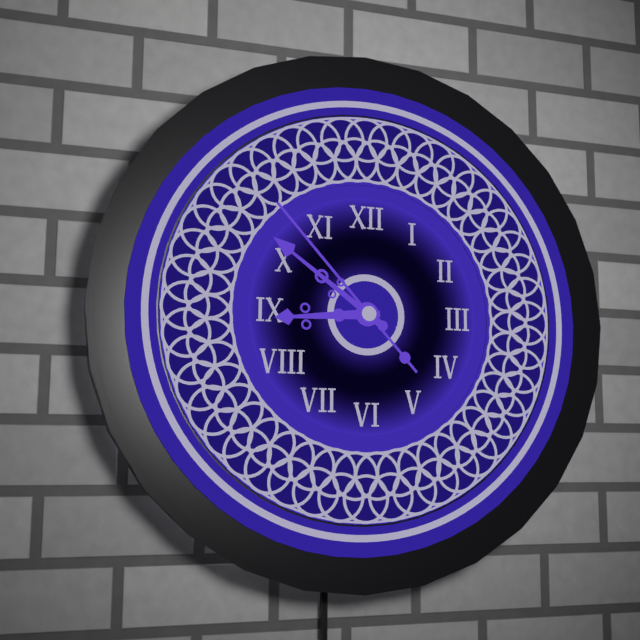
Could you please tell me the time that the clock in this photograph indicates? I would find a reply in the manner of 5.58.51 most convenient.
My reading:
8.51.53
